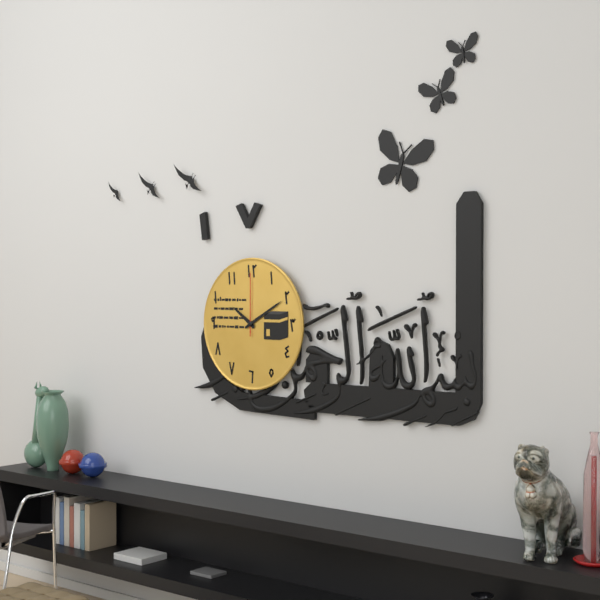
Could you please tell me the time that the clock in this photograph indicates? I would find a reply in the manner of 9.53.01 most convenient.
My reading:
10.10.00
